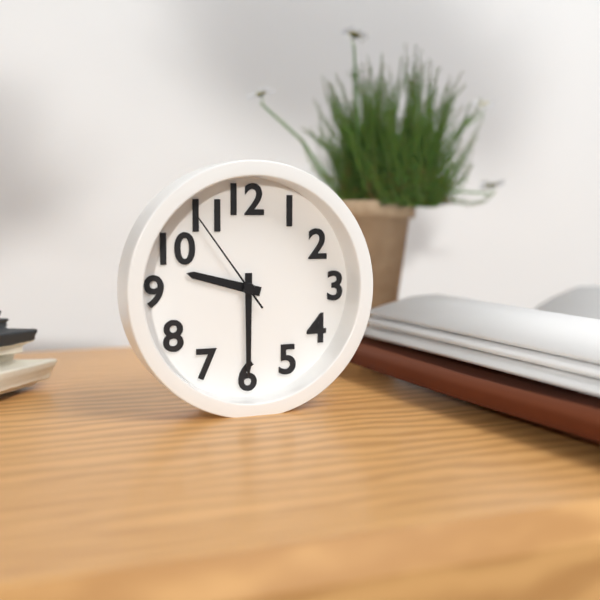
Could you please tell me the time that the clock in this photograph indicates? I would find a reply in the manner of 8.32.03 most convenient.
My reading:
9.30.54
